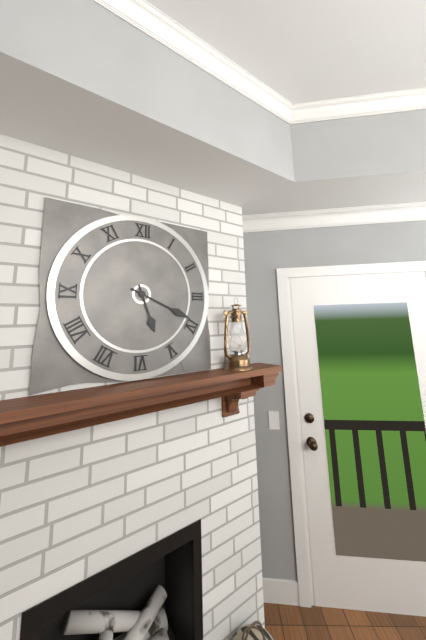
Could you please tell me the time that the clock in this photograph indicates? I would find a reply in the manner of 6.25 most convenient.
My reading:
5.19
